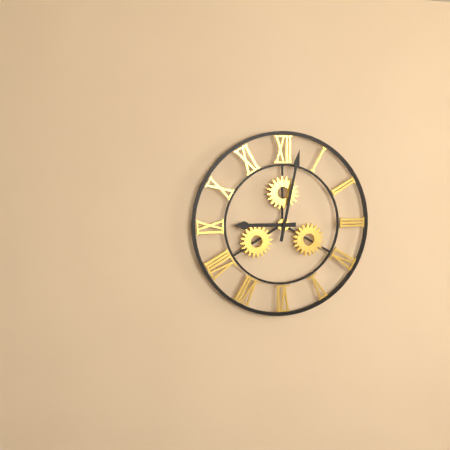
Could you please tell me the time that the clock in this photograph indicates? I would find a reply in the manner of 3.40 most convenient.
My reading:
9.02
